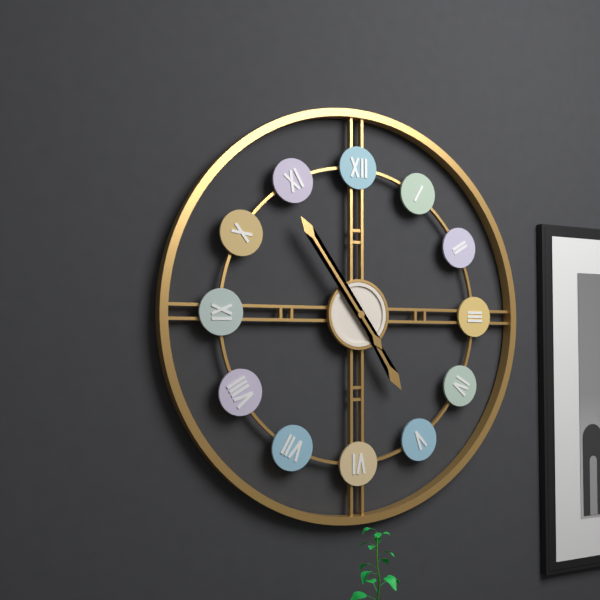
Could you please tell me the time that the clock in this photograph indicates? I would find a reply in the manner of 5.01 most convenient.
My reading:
4.54
